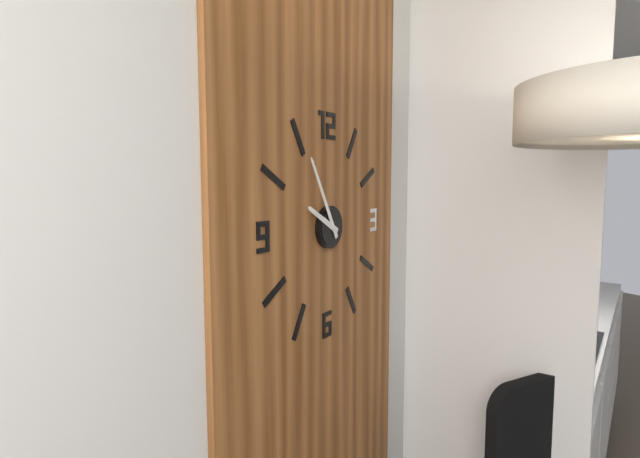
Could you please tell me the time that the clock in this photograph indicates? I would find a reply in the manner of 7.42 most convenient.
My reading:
9.55
